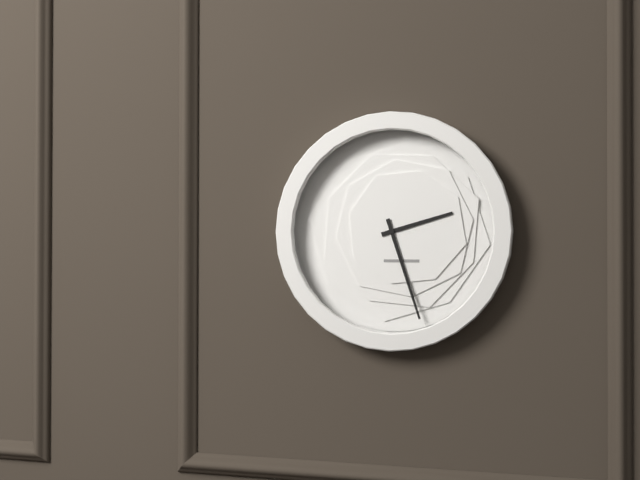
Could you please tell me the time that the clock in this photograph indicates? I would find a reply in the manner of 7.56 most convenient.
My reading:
2.27
